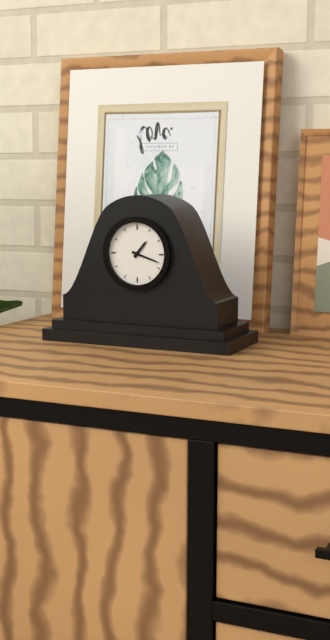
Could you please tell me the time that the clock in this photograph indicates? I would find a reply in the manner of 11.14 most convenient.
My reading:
1.18
